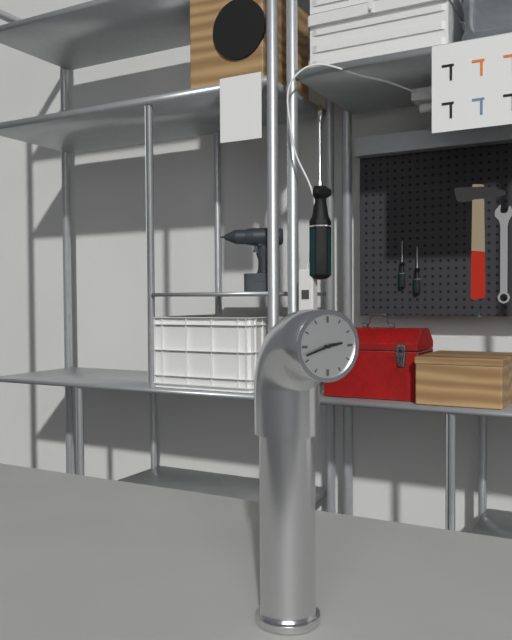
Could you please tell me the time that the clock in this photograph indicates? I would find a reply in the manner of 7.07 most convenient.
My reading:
2.42
